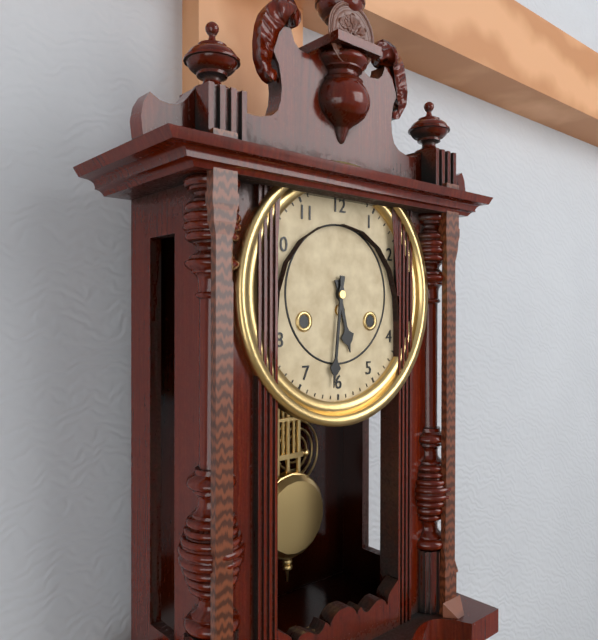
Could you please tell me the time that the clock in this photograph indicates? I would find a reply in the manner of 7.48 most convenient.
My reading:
5.31
